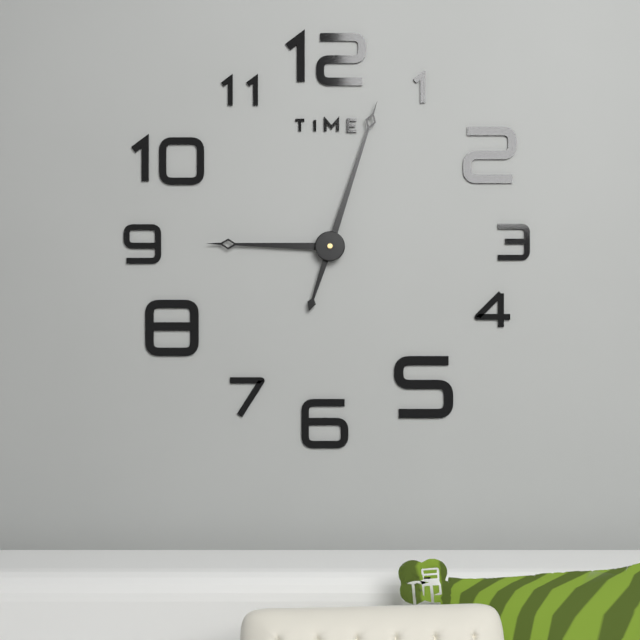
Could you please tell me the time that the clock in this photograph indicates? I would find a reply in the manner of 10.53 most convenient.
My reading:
9.03
